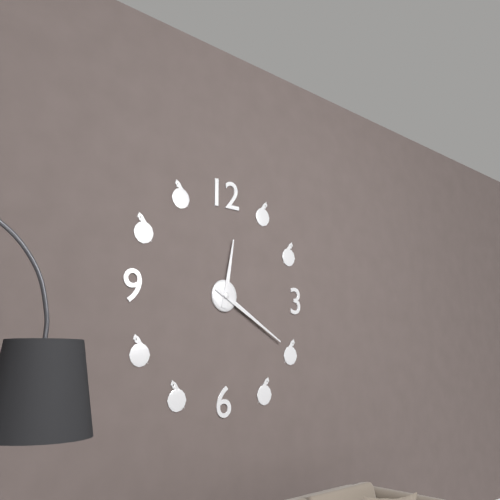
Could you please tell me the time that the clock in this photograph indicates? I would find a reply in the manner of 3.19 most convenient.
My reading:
12.20
